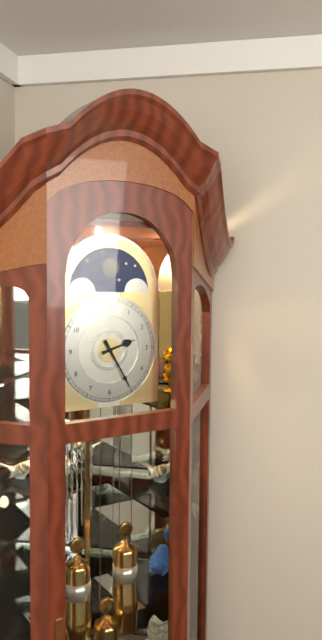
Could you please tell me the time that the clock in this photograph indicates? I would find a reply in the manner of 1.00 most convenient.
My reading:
2.25
